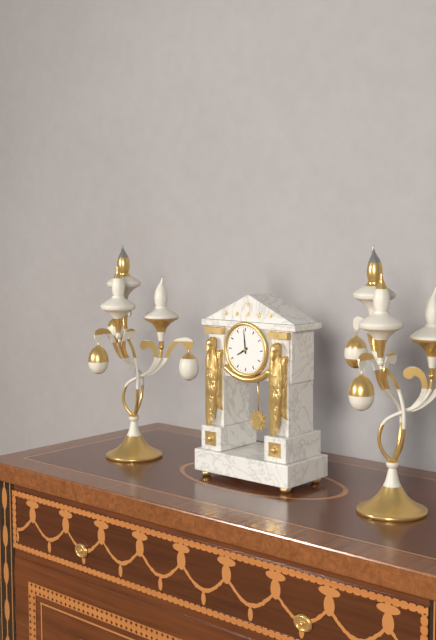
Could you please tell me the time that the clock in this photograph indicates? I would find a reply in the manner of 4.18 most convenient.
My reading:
7.59
